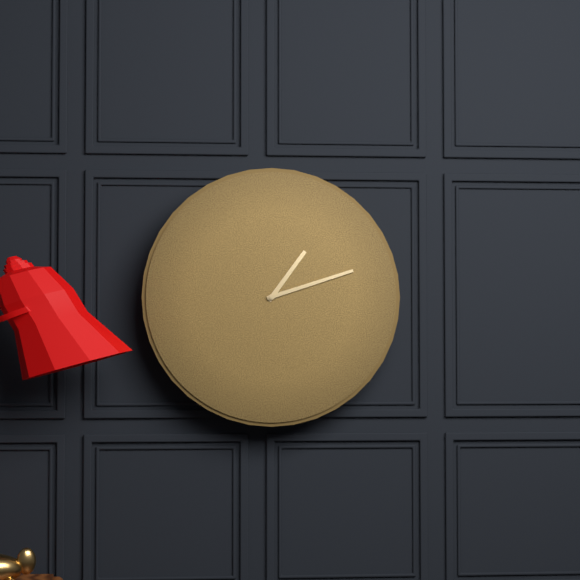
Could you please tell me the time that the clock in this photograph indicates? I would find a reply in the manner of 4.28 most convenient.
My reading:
1.12
